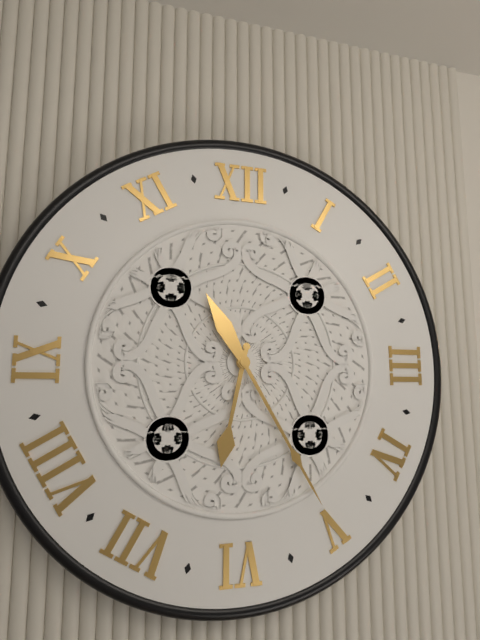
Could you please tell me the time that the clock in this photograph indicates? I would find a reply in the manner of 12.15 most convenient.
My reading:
6.25
